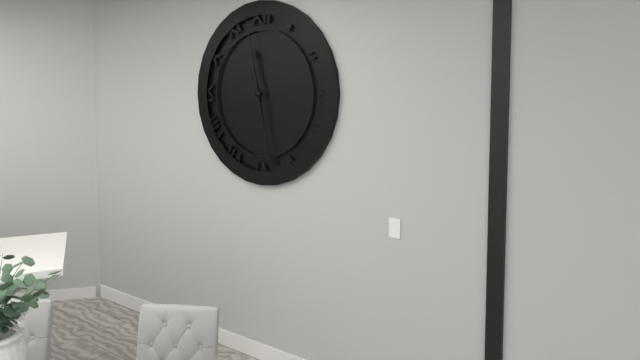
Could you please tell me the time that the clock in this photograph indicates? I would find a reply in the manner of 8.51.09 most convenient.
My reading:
11.28.58
